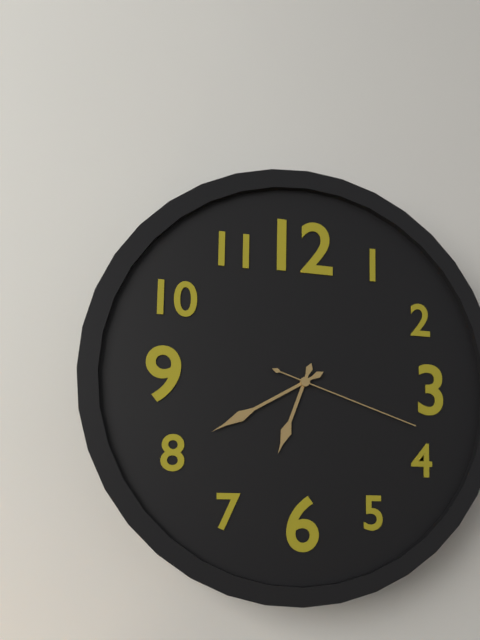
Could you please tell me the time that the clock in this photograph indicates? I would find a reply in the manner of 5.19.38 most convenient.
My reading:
6.40.18
